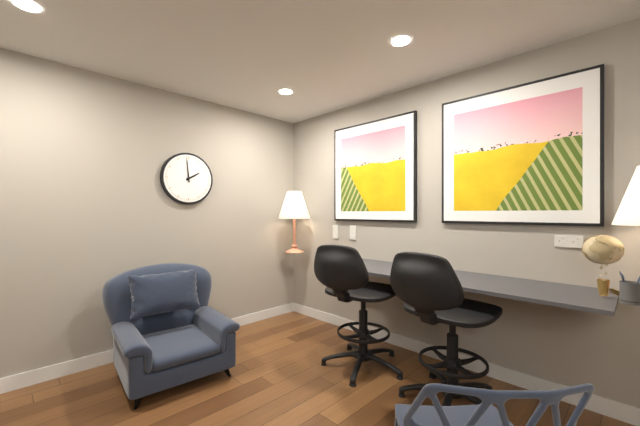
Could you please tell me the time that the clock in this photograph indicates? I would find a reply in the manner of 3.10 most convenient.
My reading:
1.59
